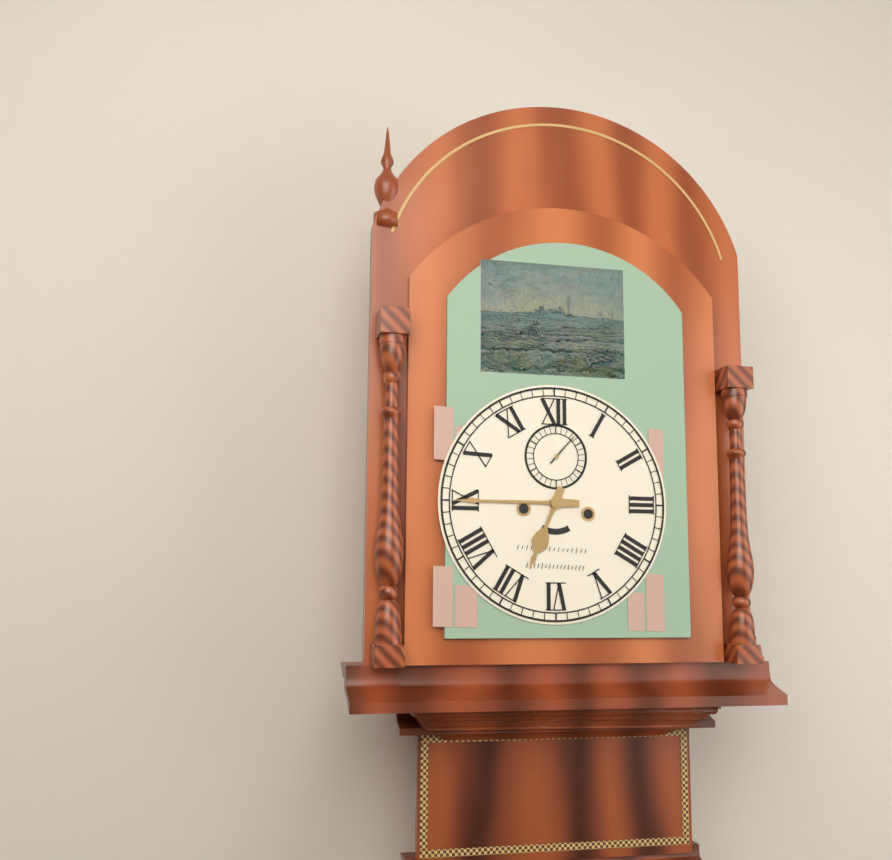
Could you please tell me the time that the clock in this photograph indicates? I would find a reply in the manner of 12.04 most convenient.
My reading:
6.45
